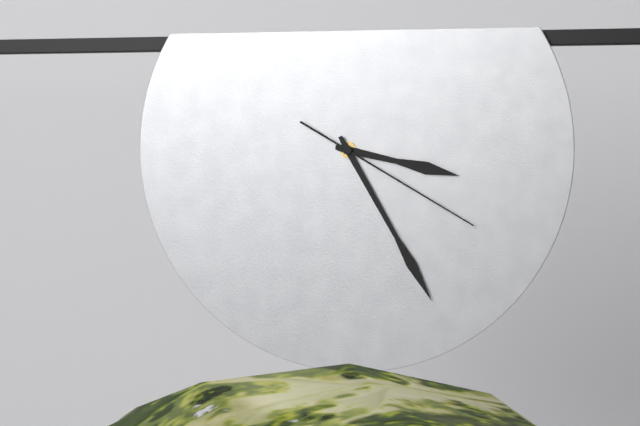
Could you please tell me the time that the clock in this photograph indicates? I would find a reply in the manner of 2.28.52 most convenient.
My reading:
3.25.20
